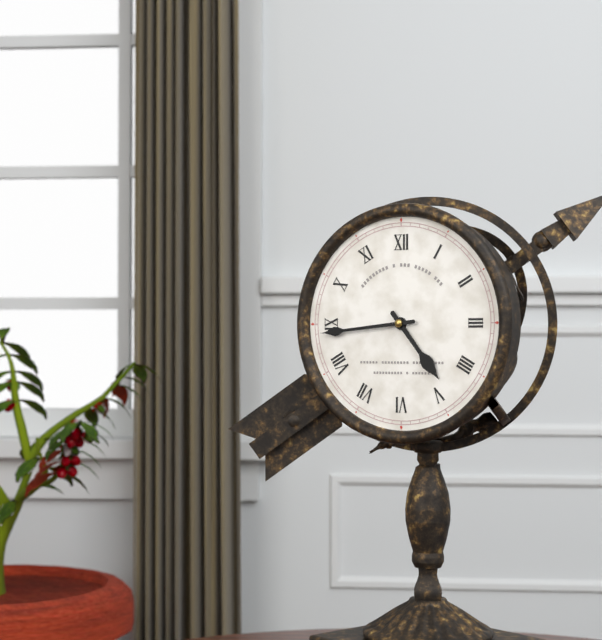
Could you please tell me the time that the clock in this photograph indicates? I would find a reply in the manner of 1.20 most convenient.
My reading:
4.44
